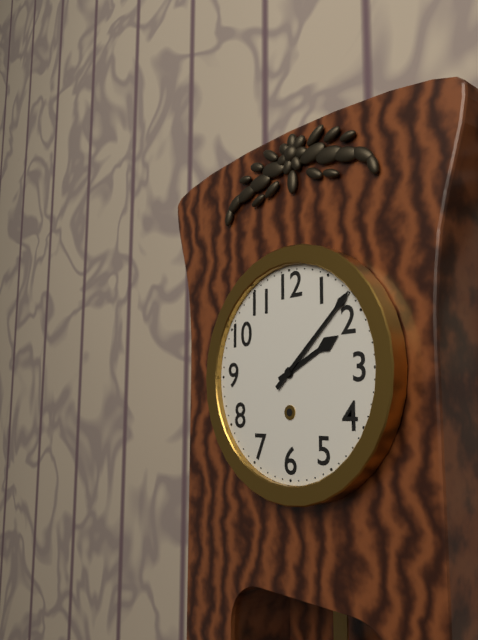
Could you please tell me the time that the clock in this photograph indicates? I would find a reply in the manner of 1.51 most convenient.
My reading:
2.08
